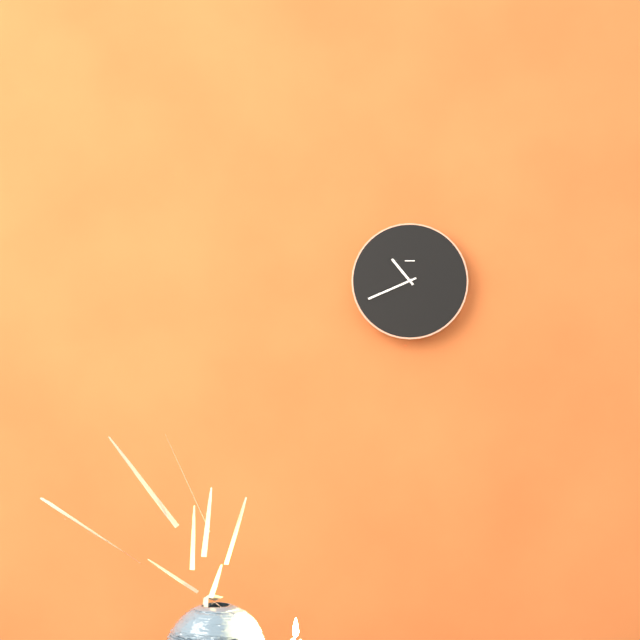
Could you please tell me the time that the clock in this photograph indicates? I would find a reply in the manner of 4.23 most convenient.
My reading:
10.41
